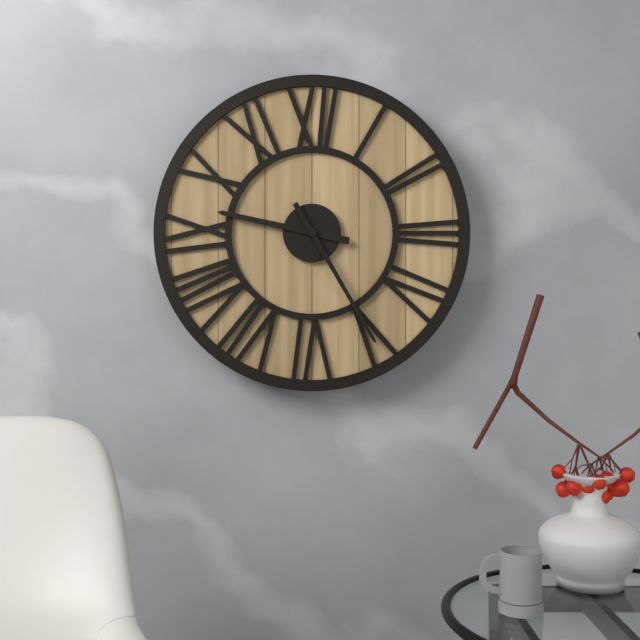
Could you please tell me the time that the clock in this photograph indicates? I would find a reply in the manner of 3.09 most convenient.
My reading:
9.25
